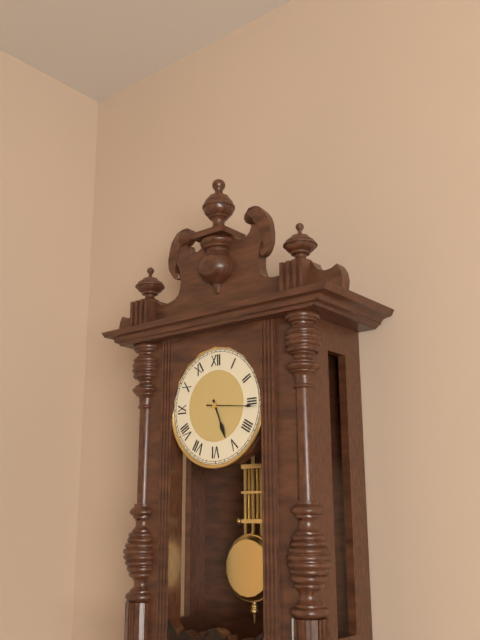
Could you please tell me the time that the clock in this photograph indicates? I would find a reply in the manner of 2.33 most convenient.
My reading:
5.16
